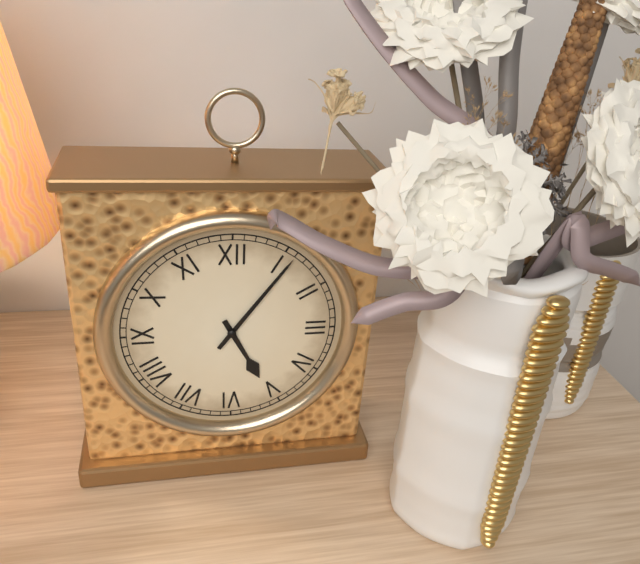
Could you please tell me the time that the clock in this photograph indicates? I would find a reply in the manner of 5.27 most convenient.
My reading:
5.06
